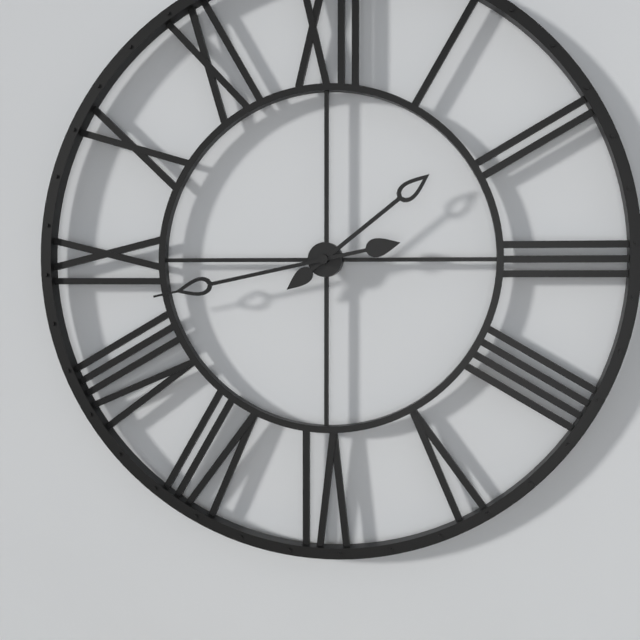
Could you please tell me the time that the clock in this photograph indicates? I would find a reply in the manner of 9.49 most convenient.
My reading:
1.43
